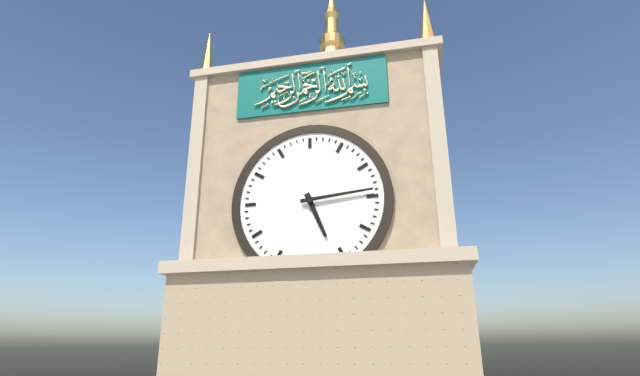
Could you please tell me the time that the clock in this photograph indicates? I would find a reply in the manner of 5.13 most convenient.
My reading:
5.14
